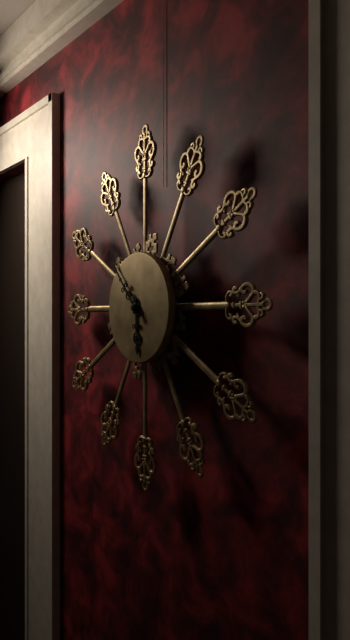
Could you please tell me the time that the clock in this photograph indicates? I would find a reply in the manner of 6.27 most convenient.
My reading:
5.53
